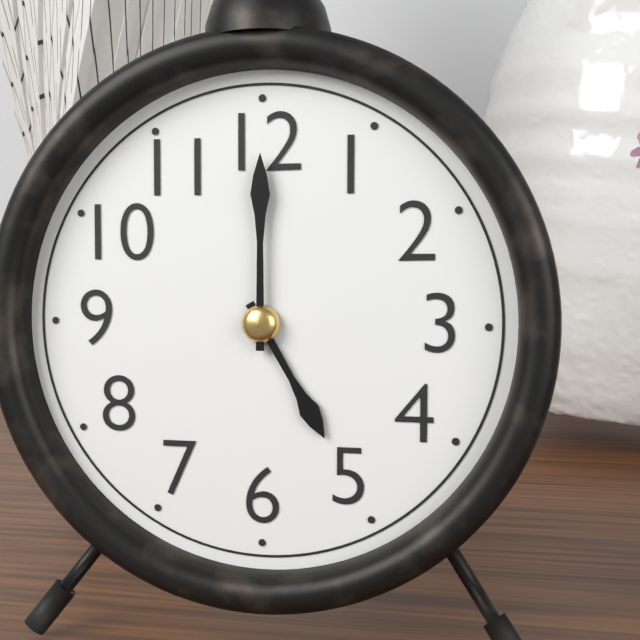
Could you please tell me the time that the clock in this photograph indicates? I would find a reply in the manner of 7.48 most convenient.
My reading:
5.00
